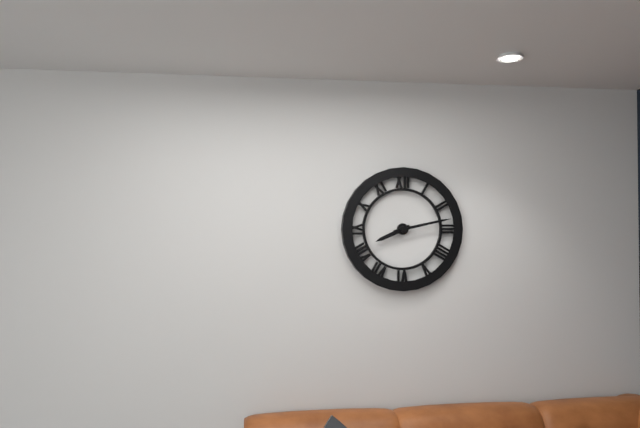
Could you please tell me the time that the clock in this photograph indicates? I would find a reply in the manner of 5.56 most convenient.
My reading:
8.13
